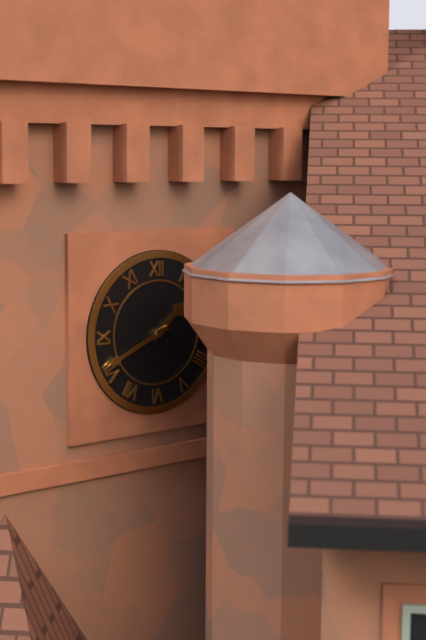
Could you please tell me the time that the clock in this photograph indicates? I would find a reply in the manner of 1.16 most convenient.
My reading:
1.41
